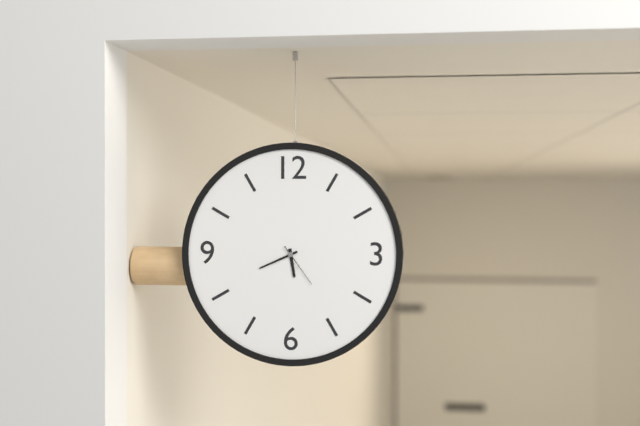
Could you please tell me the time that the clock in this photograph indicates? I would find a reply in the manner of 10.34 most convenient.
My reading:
5.41
